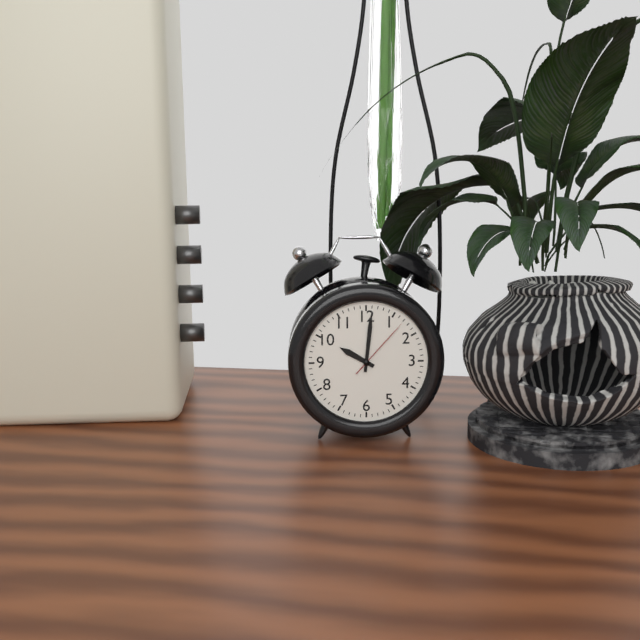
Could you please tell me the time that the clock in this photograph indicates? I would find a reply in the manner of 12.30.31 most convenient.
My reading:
10.01.07
